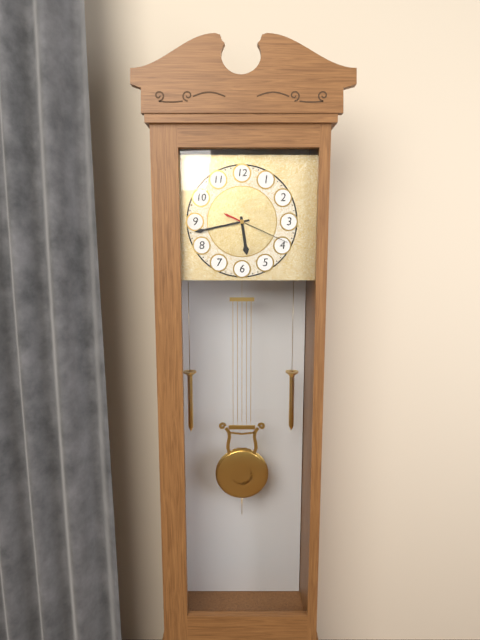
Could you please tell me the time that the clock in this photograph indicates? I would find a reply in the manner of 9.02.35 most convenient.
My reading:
5.43.19
